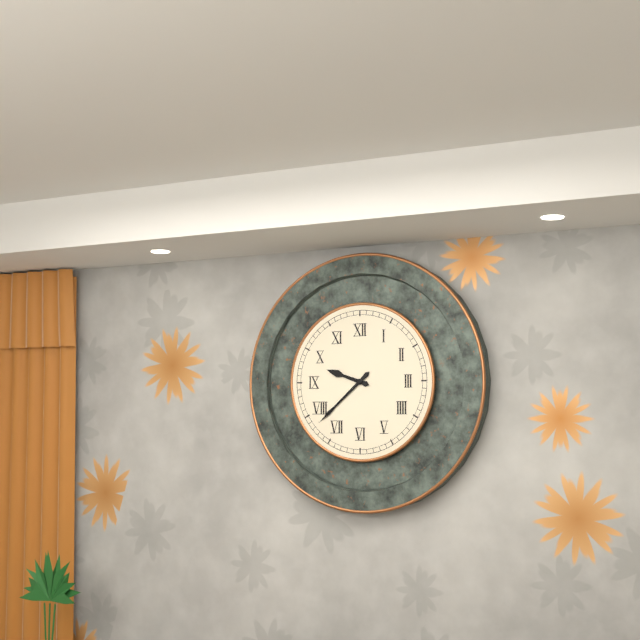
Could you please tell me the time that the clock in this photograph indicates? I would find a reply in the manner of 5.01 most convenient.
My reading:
9.38
